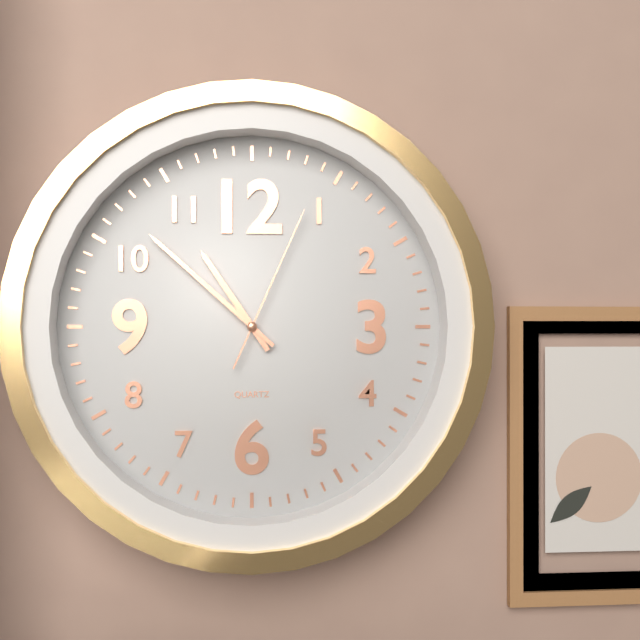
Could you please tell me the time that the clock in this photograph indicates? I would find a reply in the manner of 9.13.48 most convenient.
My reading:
10.52.04
